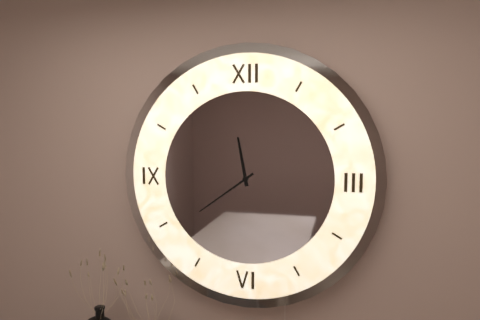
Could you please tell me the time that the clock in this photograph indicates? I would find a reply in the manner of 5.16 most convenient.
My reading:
11.39
